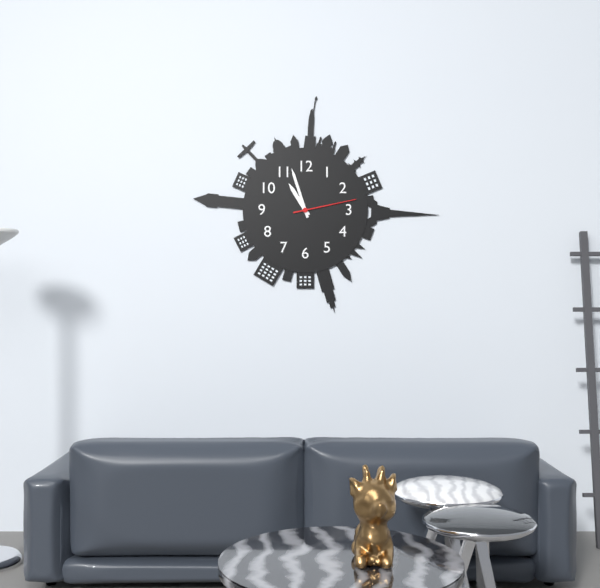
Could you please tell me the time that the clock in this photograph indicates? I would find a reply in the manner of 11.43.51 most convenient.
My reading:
10.57.13
